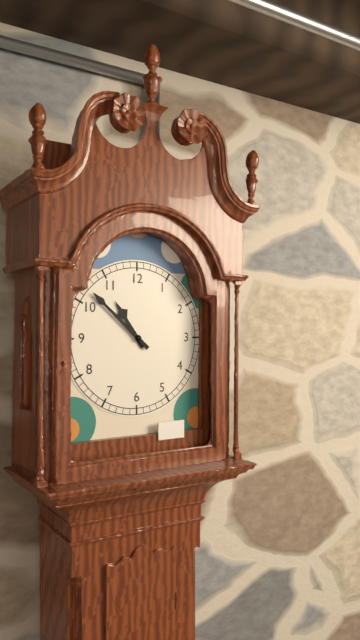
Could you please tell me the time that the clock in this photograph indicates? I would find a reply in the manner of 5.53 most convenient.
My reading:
10.52
